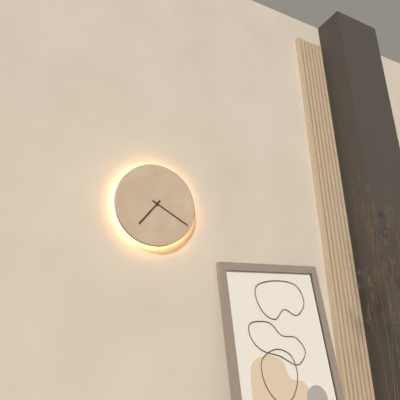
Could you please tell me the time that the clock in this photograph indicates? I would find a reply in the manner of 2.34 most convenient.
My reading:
7.20
